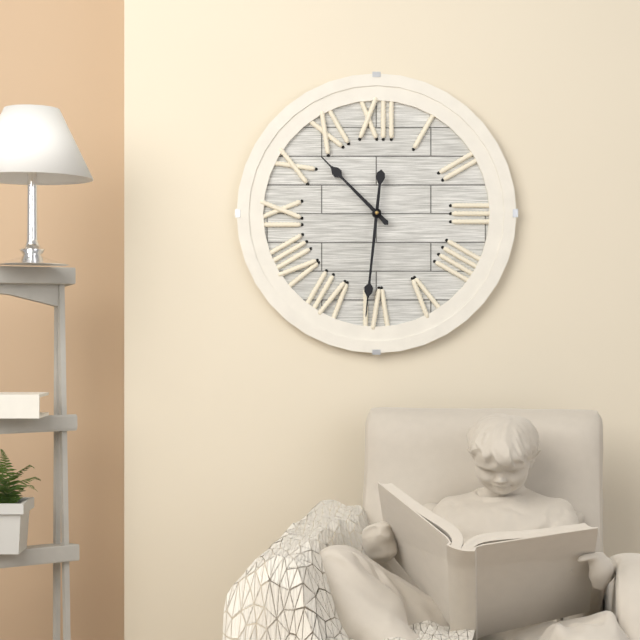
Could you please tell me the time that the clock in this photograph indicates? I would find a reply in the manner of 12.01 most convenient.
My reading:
10.31
